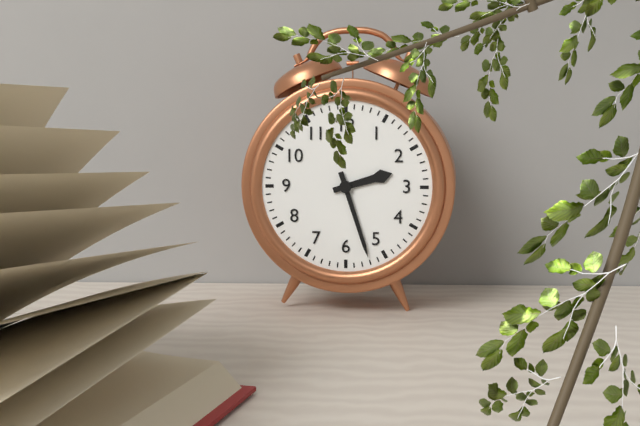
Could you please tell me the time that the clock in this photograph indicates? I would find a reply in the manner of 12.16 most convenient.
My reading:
2.27
